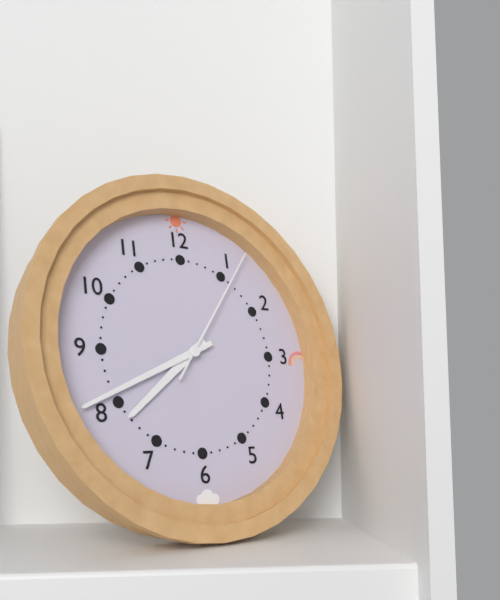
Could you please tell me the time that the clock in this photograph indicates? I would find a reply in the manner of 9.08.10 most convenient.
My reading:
7.41.06
